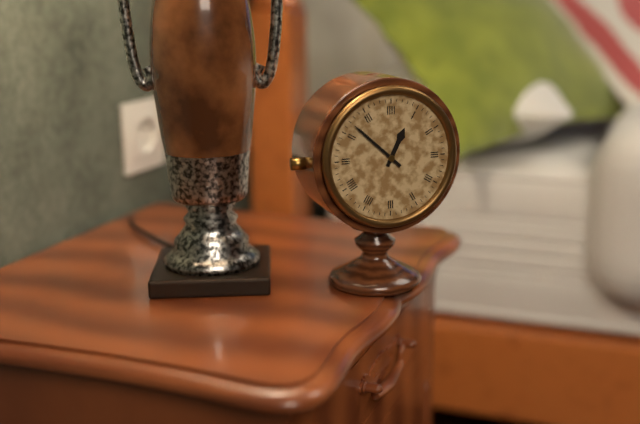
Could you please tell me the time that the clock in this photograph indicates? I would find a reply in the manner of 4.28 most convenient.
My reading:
12.52
